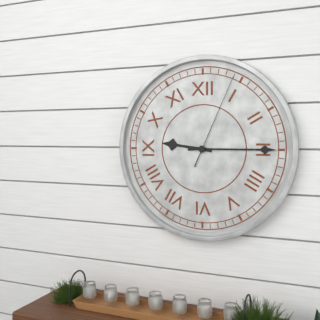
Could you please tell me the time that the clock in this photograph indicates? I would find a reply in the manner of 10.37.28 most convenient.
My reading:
9.15.04
